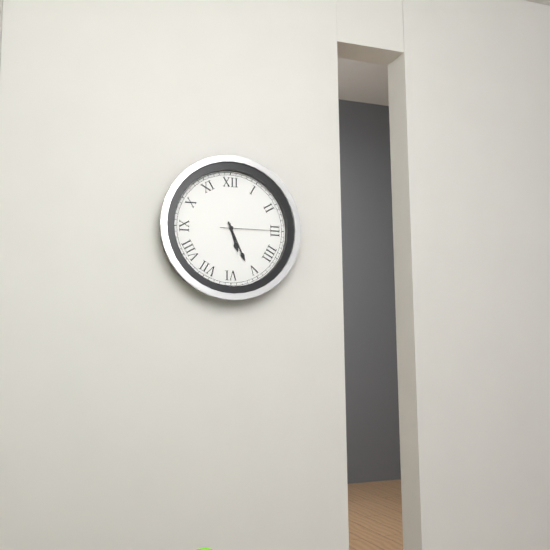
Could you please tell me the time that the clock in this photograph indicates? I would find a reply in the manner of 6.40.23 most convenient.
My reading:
5.26.15
